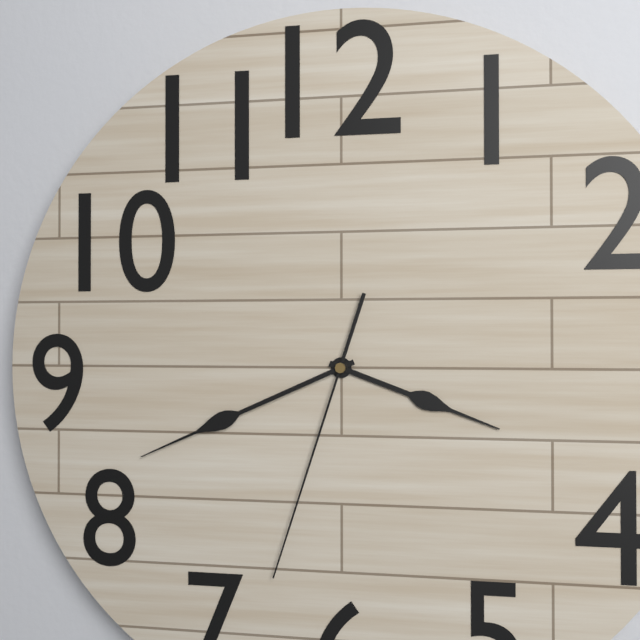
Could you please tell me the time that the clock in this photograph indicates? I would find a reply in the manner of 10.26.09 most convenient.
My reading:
3.41.33
